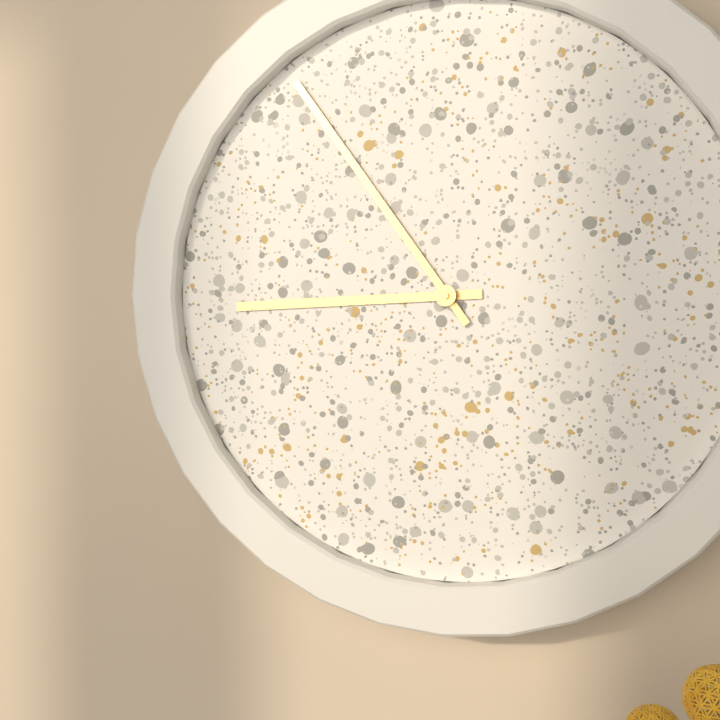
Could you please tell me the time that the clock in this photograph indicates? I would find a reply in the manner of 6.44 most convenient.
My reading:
8.54
